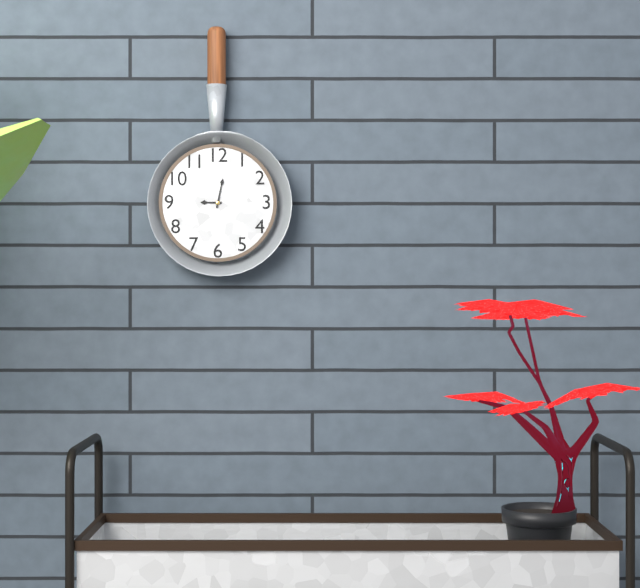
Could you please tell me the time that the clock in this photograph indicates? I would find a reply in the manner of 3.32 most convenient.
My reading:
9.02
